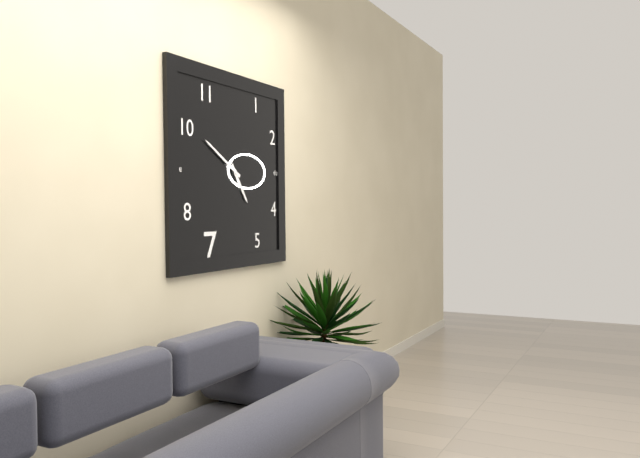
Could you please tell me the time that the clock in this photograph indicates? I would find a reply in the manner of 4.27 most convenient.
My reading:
4.50
